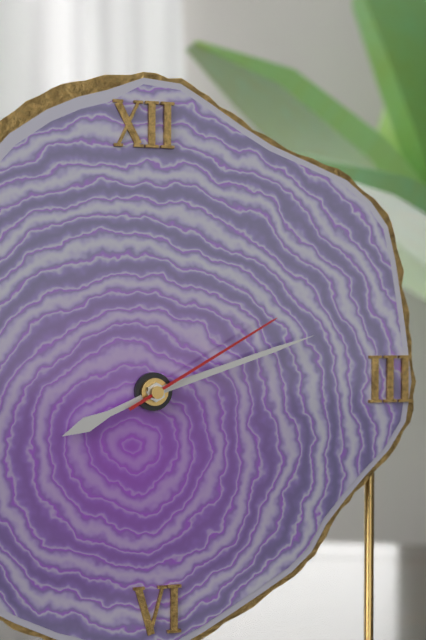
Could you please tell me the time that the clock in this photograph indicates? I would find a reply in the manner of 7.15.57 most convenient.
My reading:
8.12.10
